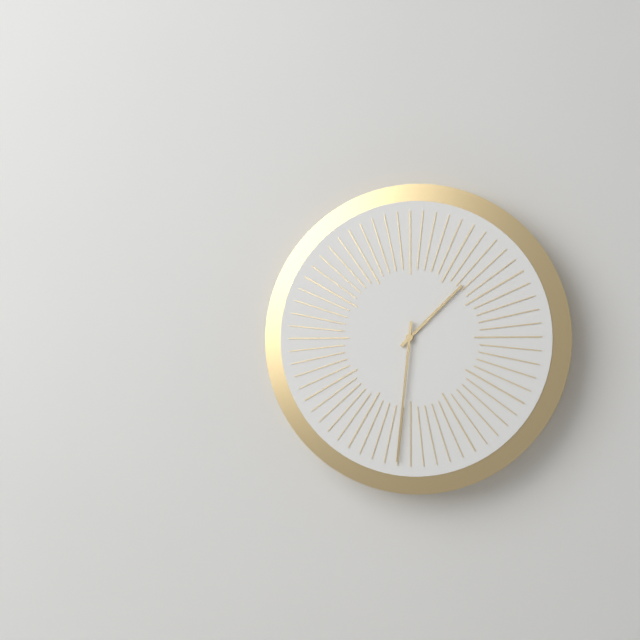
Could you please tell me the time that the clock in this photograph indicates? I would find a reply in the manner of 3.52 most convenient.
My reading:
1.31
